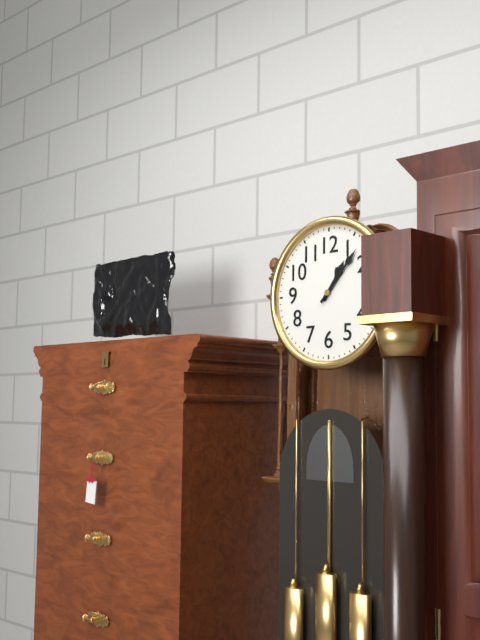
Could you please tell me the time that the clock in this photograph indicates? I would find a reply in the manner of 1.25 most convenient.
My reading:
1.07
